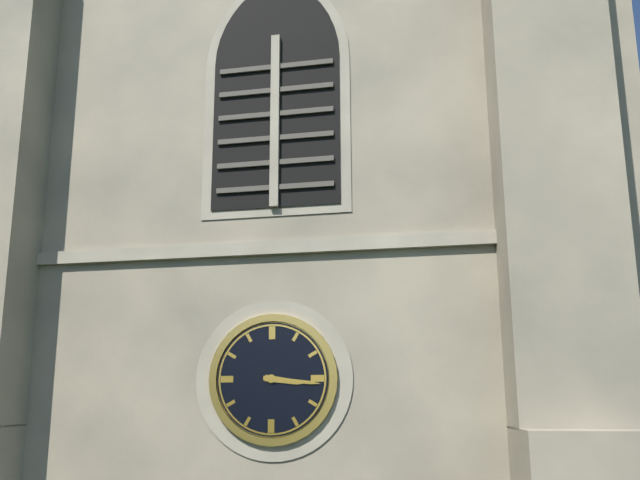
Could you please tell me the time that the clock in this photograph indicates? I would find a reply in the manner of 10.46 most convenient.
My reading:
3.16
